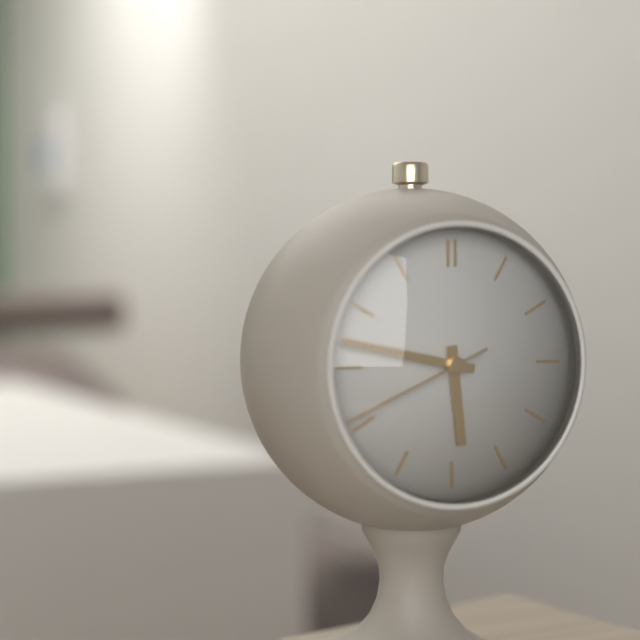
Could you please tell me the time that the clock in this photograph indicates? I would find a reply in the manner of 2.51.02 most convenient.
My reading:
5.47.41
